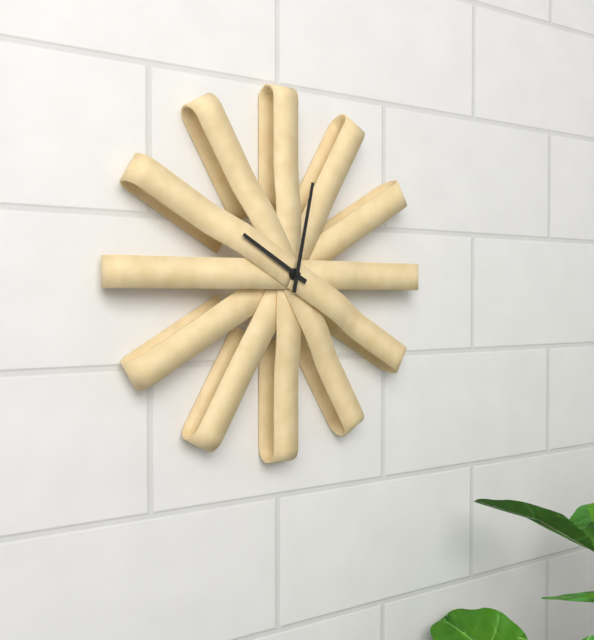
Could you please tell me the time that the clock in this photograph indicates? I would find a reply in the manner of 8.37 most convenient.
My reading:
10.02
